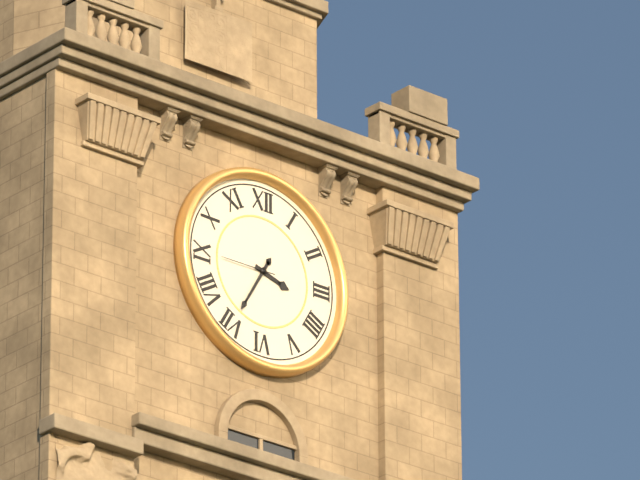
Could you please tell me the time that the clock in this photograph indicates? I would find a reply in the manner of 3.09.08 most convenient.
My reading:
3.35.45
